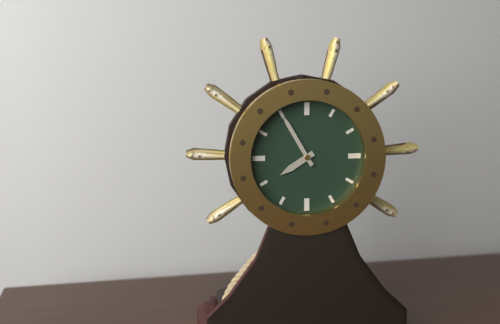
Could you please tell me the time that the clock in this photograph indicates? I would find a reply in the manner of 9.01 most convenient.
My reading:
7.55
